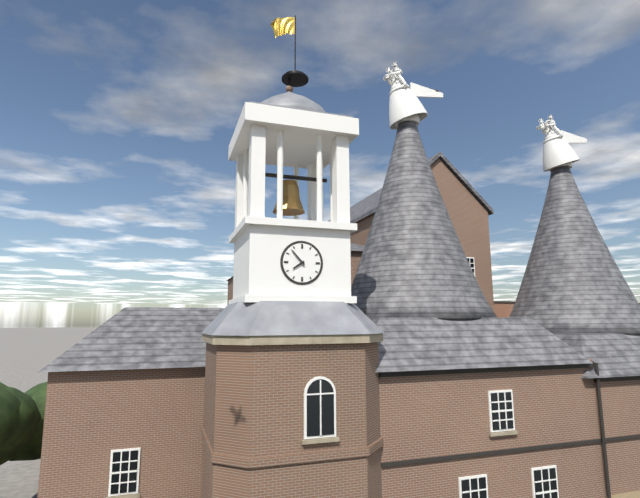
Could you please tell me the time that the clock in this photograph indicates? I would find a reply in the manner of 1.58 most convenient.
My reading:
7.53
